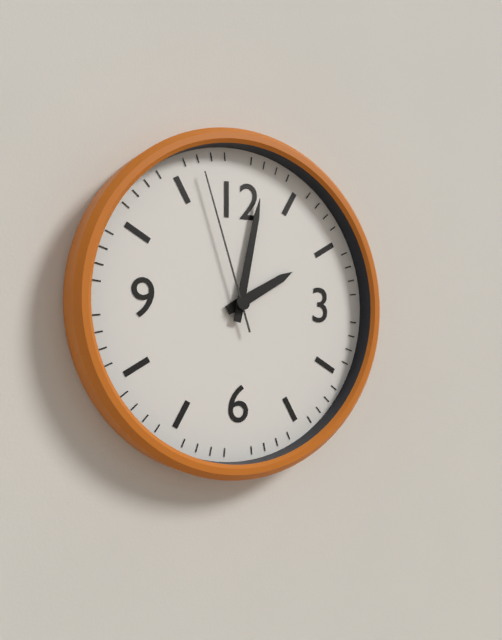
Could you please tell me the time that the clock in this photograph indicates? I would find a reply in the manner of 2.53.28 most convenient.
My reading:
2.02.57
